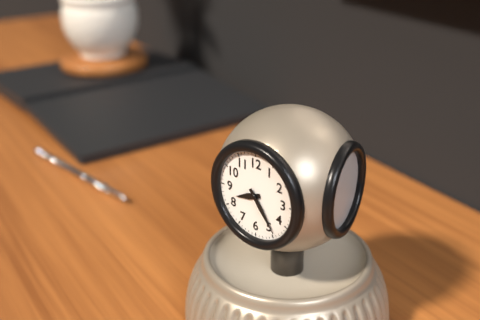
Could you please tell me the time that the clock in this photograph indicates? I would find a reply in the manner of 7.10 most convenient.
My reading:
8.24
